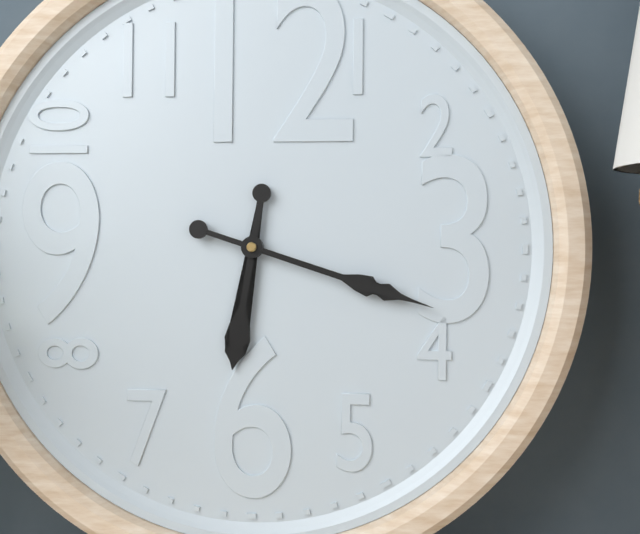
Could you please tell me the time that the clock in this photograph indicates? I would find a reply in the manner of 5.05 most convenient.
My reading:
6.18
